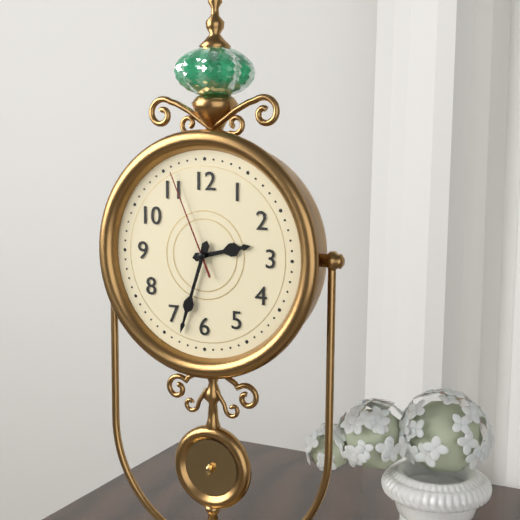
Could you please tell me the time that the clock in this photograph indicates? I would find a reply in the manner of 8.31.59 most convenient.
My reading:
2.33.56
